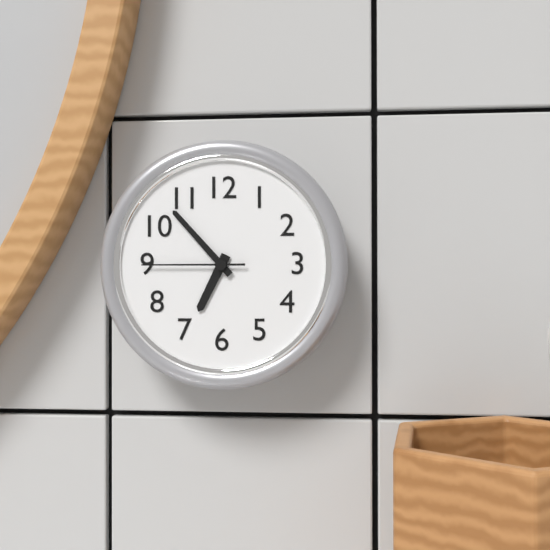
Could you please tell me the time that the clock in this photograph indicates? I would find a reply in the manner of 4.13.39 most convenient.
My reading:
6.53.45
